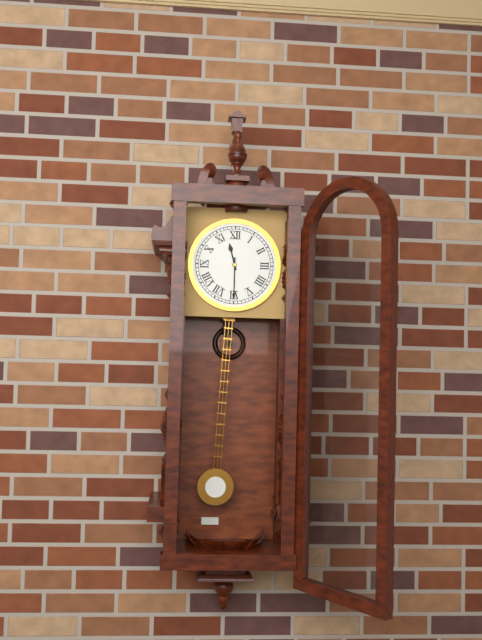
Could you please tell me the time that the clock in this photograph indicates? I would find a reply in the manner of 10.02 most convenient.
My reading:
11.30
